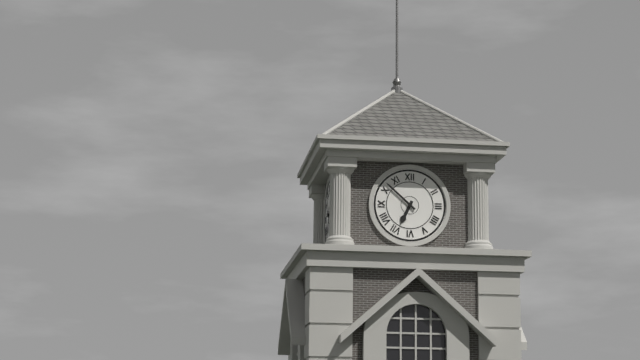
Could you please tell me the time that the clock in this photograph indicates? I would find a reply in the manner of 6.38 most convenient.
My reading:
6.52
